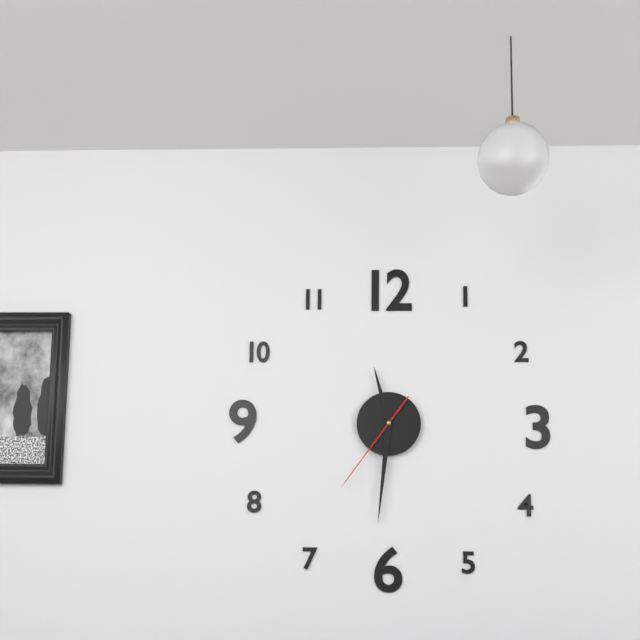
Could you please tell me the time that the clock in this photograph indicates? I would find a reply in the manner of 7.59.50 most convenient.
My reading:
11.31.36
